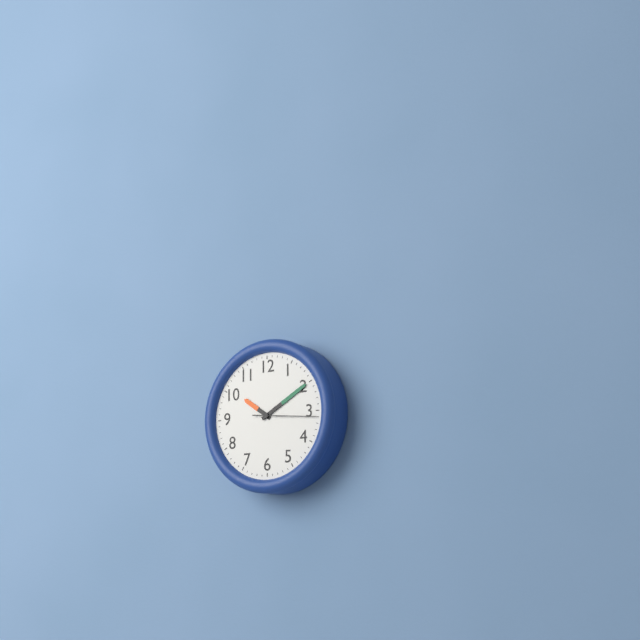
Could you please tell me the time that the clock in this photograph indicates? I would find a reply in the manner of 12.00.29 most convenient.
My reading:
10.10.16
